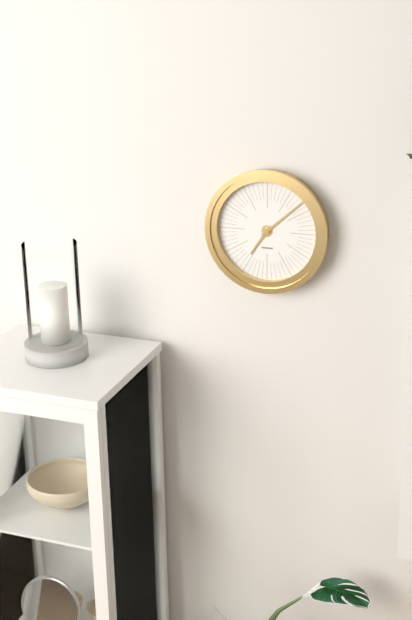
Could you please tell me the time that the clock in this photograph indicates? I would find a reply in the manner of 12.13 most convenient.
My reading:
7.08
